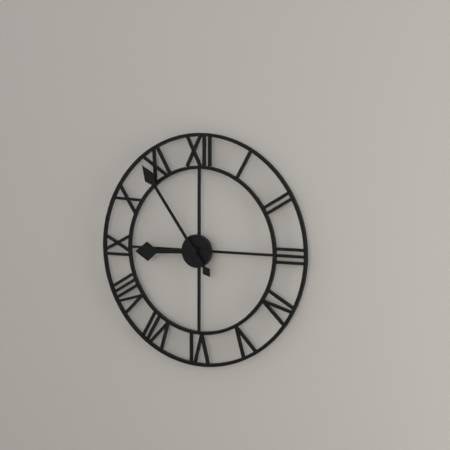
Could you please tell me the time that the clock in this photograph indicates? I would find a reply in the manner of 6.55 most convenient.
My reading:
8.54
